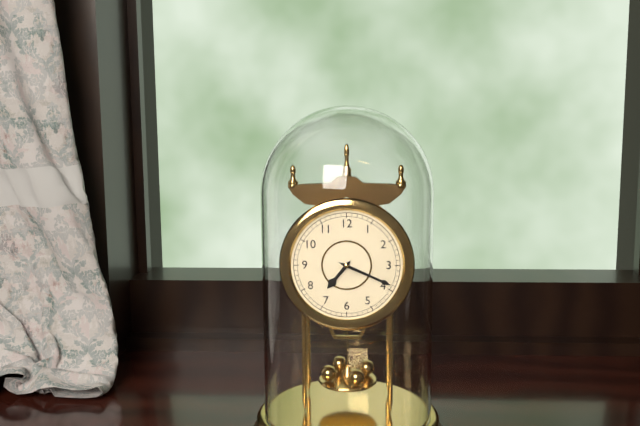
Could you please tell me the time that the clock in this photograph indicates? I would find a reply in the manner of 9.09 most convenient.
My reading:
7.19
